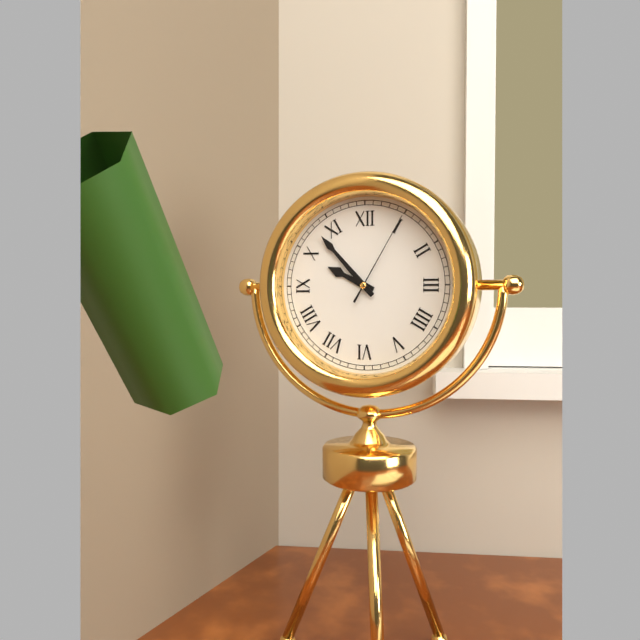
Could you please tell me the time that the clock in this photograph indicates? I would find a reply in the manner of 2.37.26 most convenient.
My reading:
9.53.05
